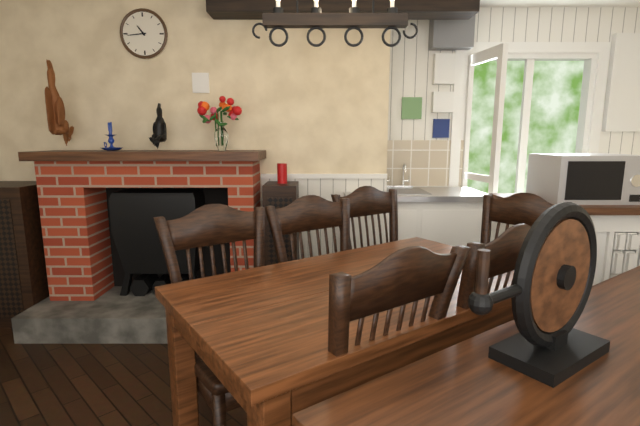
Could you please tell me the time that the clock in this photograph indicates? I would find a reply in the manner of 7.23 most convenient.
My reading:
10.44
